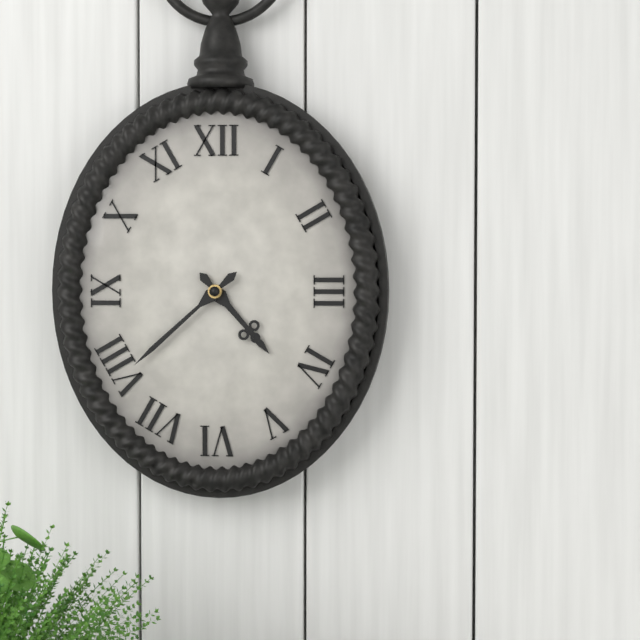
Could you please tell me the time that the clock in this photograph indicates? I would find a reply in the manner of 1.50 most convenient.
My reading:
4.38
